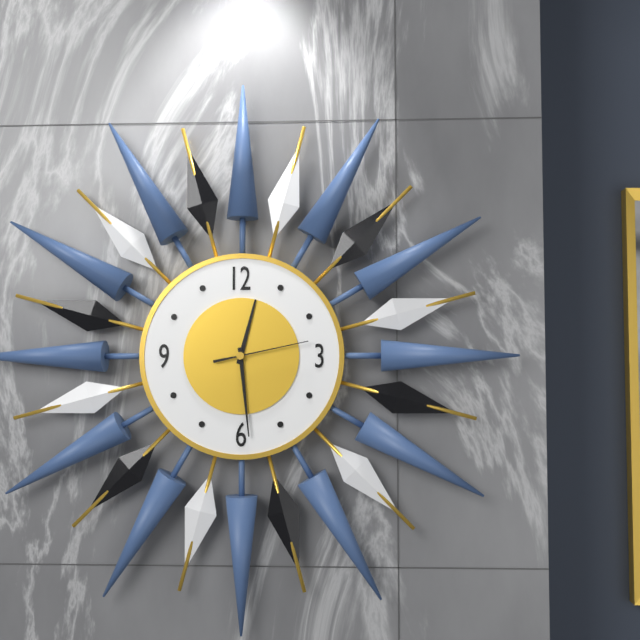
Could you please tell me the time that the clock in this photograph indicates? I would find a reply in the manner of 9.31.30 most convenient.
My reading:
12.29.13
